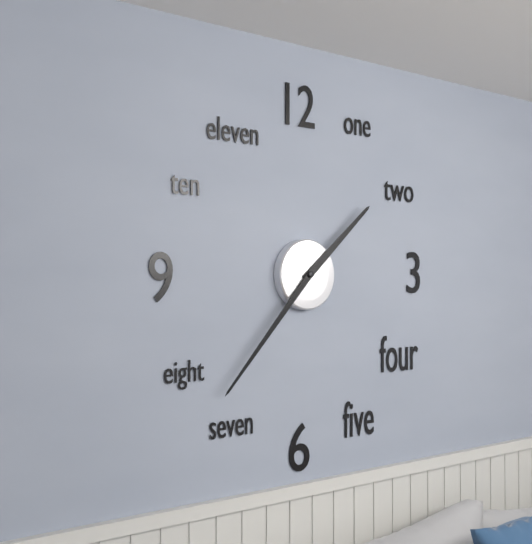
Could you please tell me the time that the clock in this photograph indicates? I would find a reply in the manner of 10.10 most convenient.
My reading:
1.37
